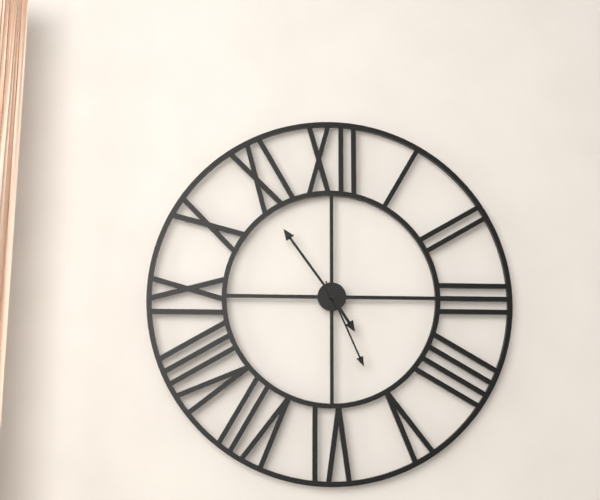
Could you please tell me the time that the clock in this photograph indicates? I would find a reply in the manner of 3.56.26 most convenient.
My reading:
4.54.26
